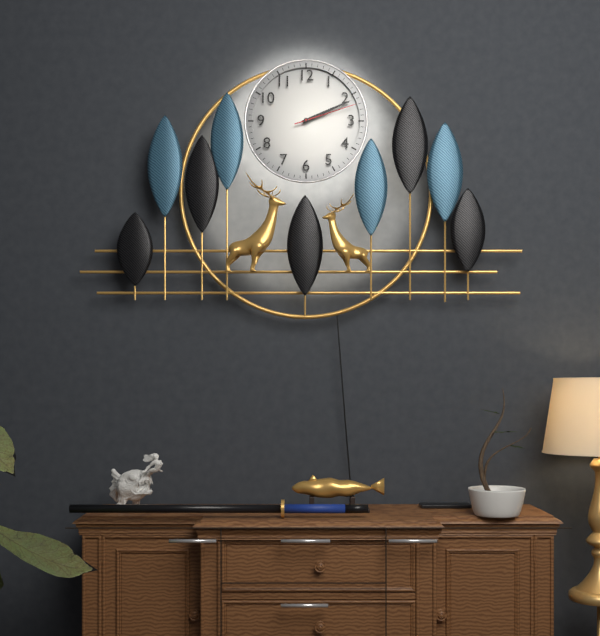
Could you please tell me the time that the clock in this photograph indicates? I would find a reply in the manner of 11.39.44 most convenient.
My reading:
2.11.12
